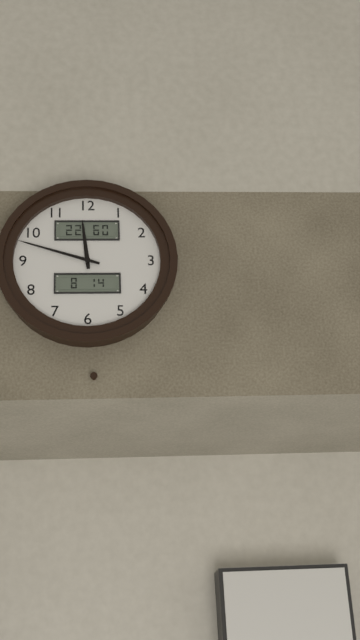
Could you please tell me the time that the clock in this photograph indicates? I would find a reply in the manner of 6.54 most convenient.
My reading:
11.48
